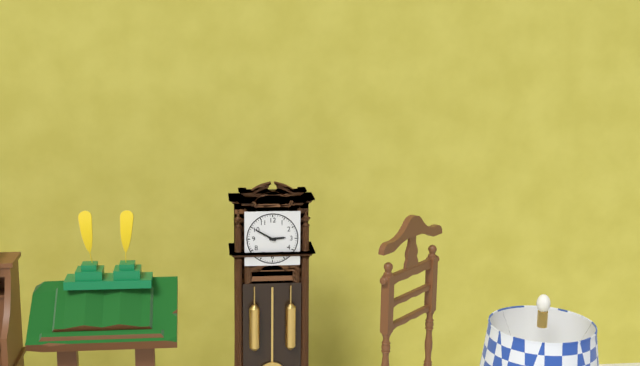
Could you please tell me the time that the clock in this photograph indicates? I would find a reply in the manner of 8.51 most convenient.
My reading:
2.50
